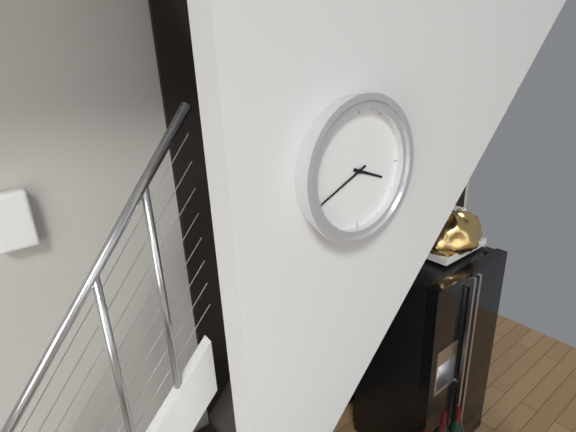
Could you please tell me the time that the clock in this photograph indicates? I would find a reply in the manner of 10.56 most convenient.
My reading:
3.41
